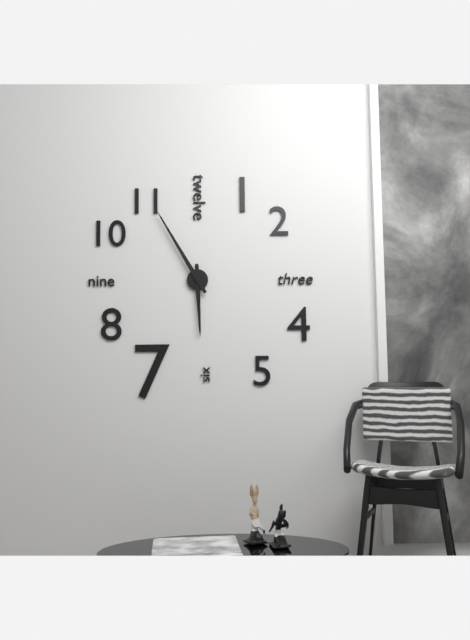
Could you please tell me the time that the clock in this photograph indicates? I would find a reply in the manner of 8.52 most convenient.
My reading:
5.55
